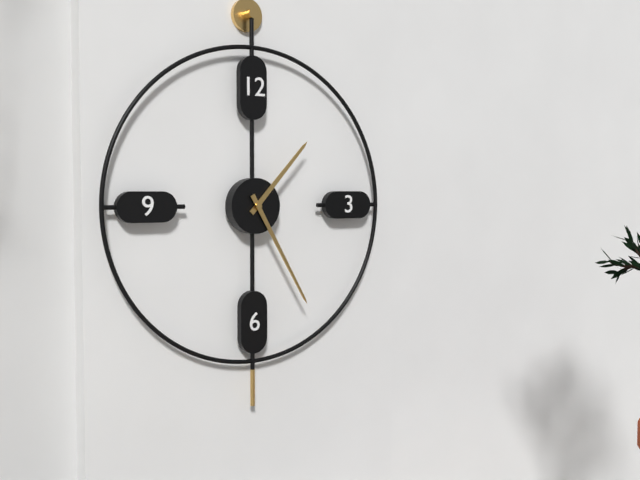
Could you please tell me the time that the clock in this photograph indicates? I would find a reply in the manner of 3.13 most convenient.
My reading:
1.25
